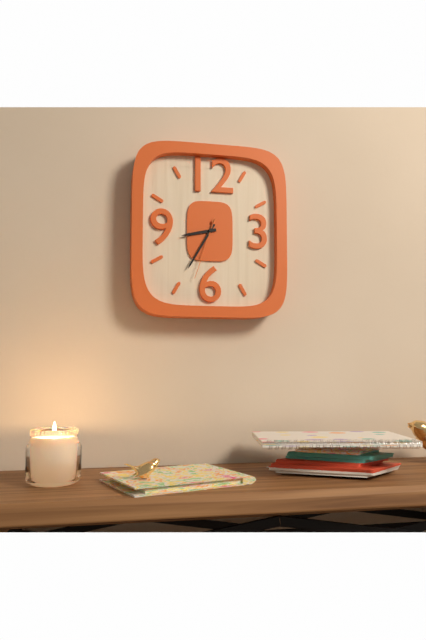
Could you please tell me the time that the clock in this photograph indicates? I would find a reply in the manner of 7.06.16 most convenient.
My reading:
8.35.33
